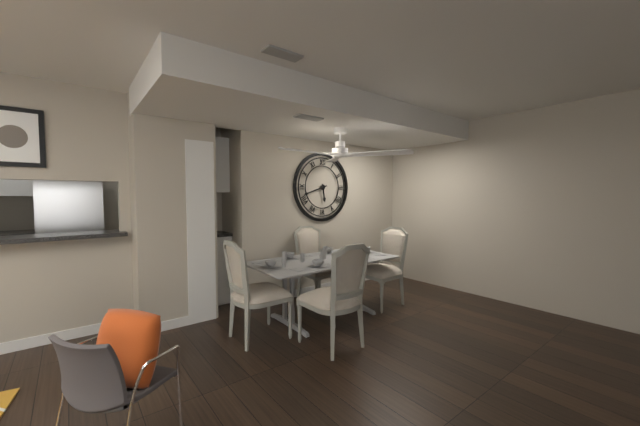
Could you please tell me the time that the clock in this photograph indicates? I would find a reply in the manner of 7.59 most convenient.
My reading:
5.42
